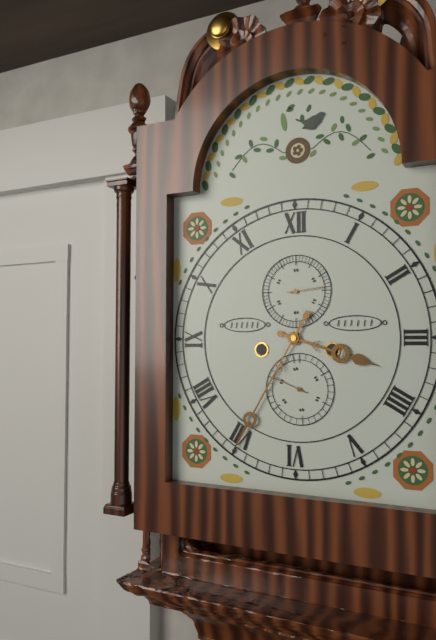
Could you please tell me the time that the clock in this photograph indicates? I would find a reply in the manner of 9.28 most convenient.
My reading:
3.35
